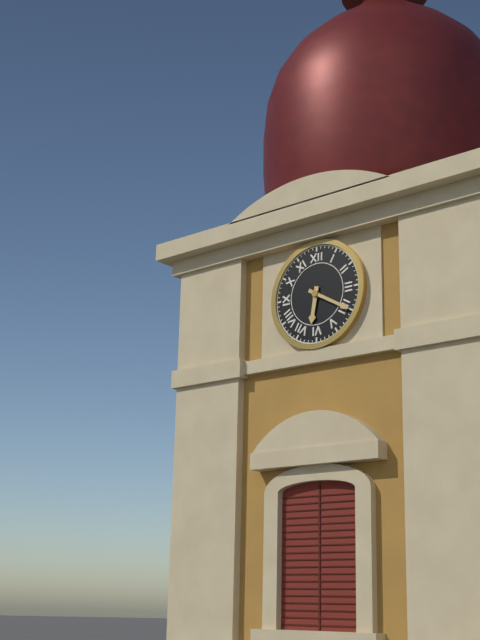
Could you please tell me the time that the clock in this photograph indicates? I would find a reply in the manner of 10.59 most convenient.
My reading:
6.20
